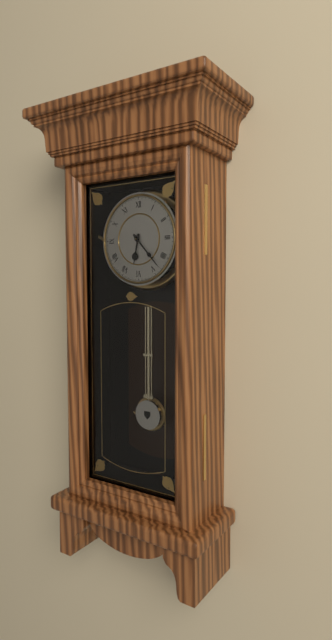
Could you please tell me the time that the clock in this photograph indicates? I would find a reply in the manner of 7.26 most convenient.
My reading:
6.23
